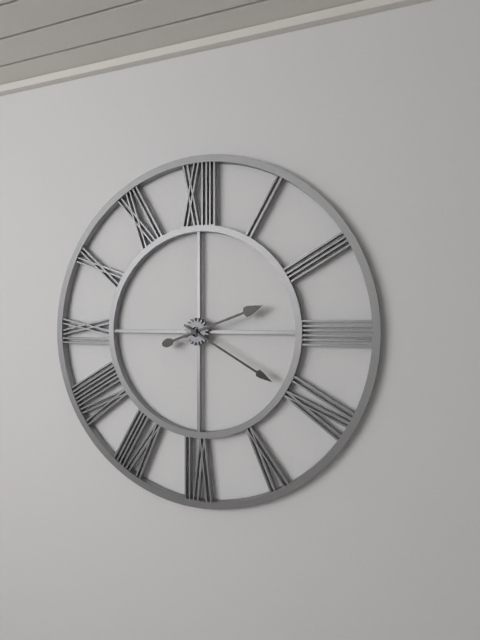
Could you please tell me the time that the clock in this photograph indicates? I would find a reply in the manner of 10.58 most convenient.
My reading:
2.20
